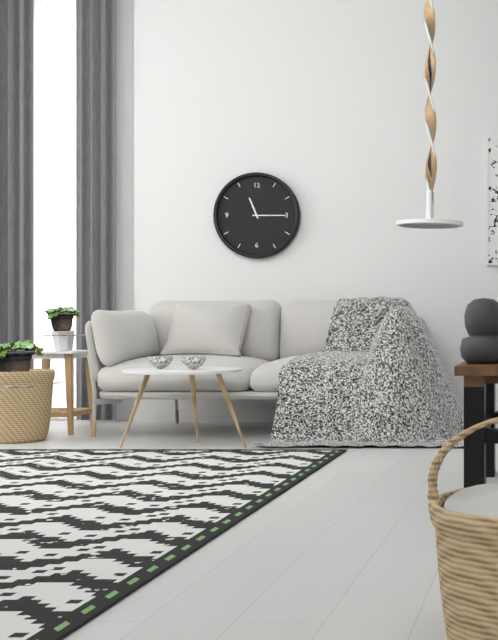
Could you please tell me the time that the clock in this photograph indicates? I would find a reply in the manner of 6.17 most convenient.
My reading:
11.15
